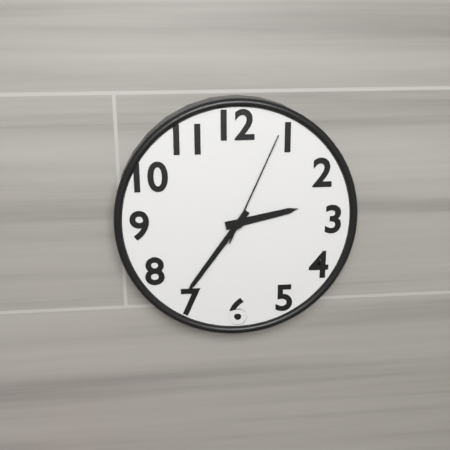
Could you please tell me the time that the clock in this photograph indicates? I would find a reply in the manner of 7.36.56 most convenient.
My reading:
2.36.04
